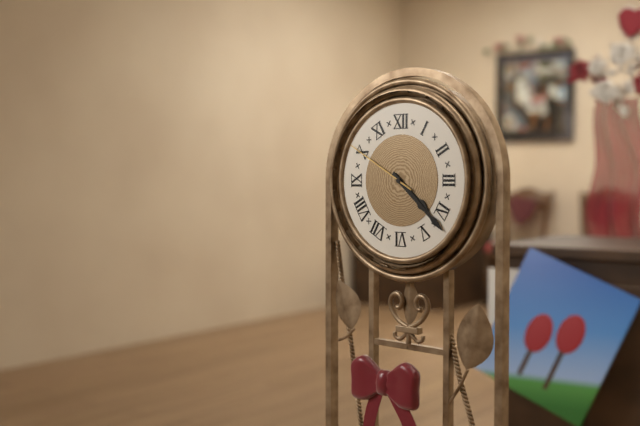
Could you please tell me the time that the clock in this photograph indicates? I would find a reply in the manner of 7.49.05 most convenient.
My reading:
4.22.50
